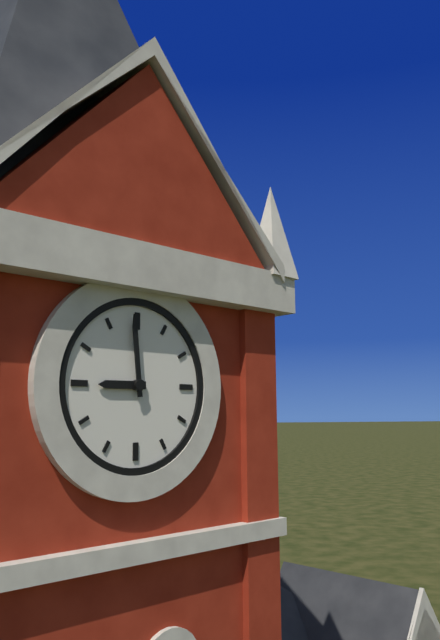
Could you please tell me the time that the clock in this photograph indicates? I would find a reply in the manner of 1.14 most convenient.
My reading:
8.59
